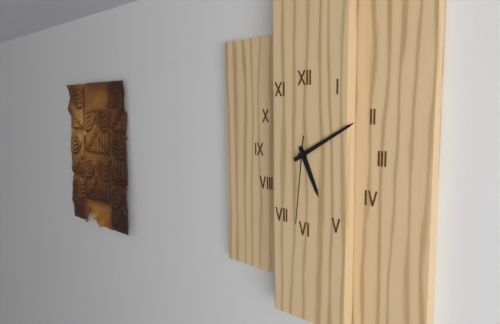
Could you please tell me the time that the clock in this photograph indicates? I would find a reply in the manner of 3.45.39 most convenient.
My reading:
5.10.31
